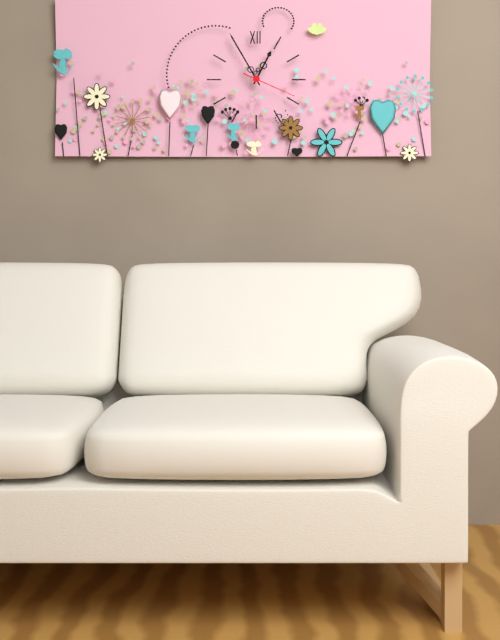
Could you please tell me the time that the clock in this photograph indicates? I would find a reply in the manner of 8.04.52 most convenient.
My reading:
12.55.19
